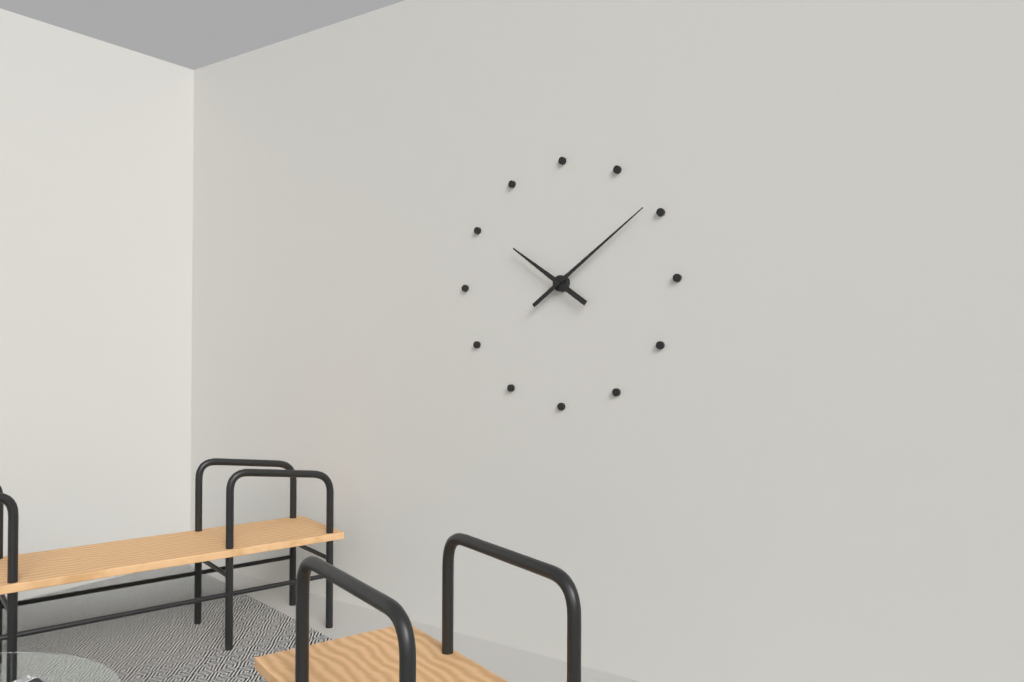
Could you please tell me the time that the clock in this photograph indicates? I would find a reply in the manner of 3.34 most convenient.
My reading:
10.09
